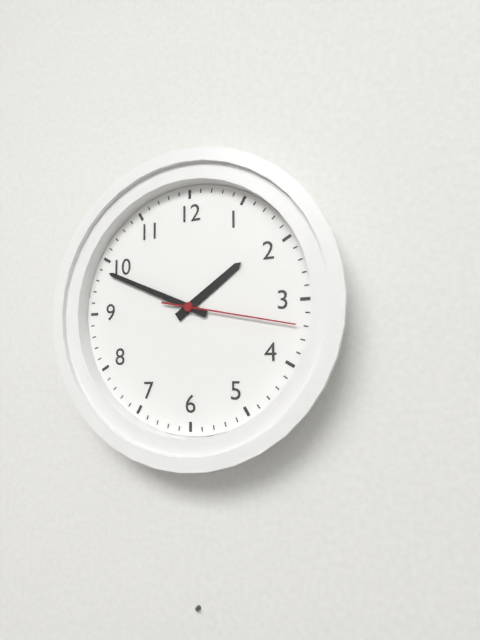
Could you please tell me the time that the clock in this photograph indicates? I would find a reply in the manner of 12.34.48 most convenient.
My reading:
1.49.17
